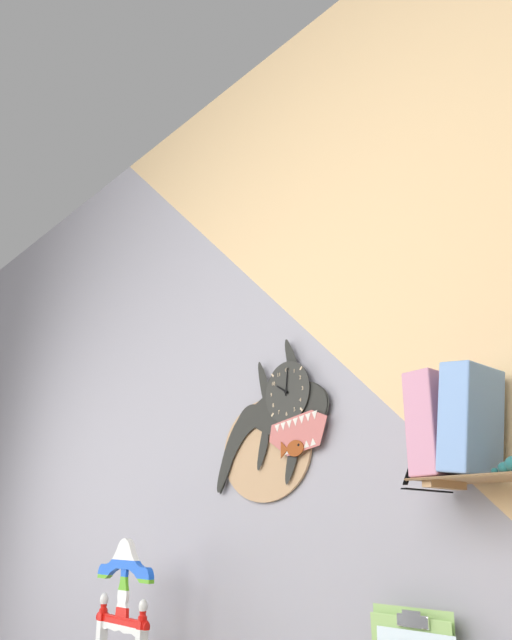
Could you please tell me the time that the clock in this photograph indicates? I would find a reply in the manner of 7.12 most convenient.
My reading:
10.01
